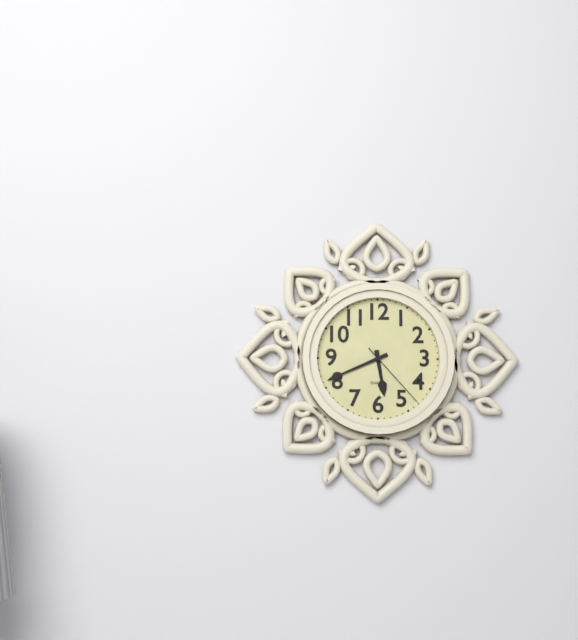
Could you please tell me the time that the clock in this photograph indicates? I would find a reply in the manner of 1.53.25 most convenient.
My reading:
5.41.23
